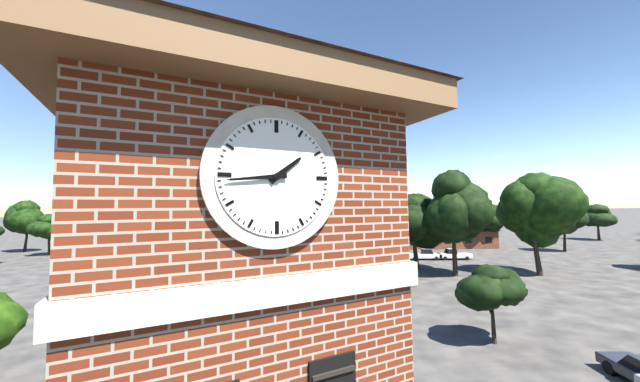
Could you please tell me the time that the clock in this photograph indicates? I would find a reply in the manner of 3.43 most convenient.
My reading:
1.44
